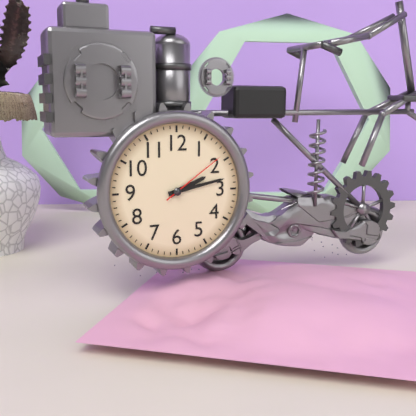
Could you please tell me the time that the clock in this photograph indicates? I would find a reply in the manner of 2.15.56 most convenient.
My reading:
2.13.09
